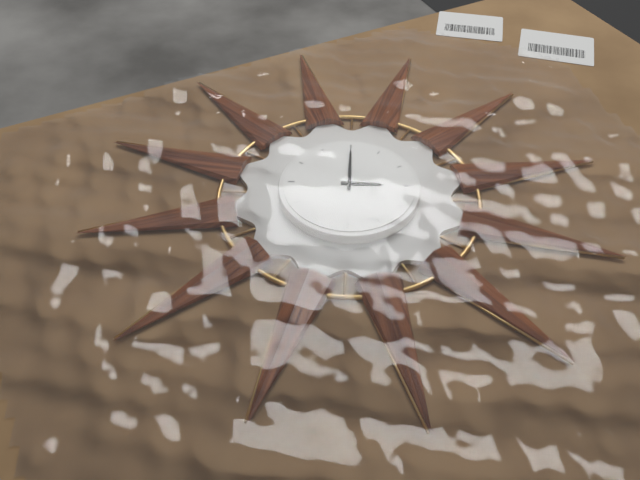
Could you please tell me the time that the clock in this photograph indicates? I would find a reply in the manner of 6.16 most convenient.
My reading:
3.00
